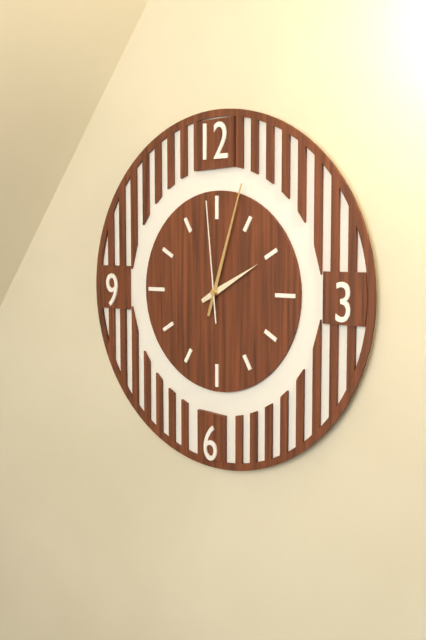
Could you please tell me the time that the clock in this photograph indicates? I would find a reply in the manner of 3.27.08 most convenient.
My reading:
2.03.59
